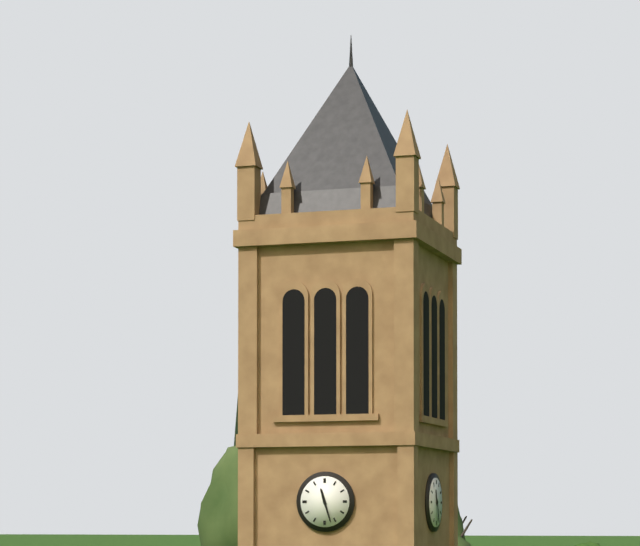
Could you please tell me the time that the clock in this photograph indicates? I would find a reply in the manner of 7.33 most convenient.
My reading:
11.27
